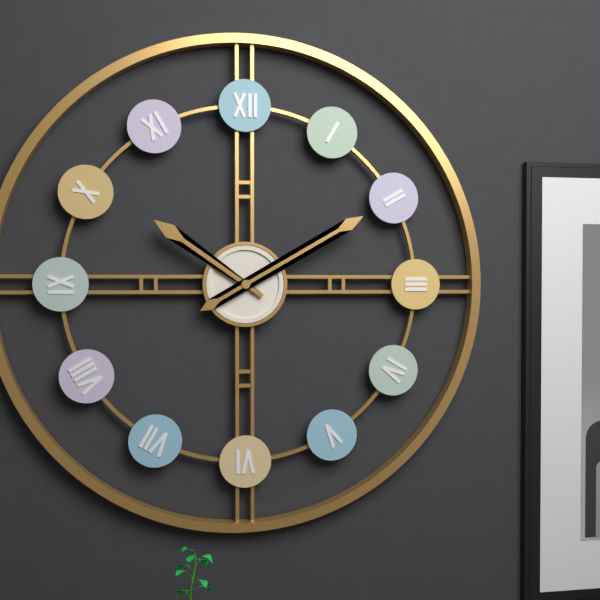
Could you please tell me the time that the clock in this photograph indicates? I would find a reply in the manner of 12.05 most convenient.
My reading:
10.10
